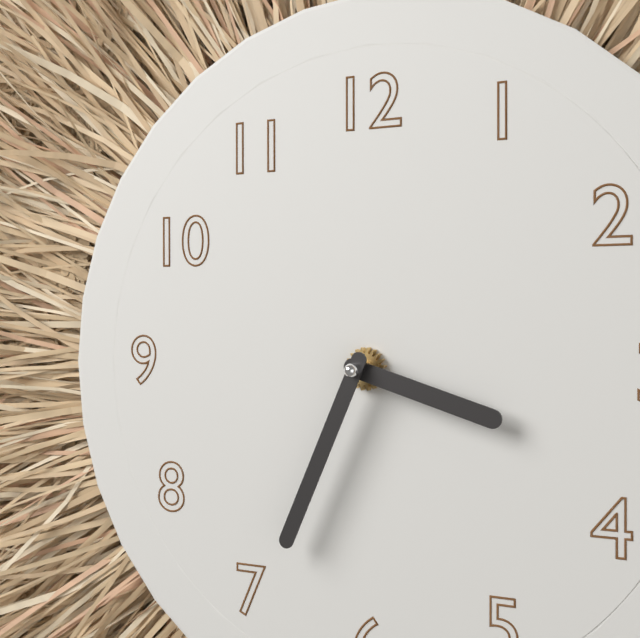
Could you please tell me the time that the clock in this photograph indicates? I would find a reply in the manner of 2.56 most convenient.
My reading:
3.34
